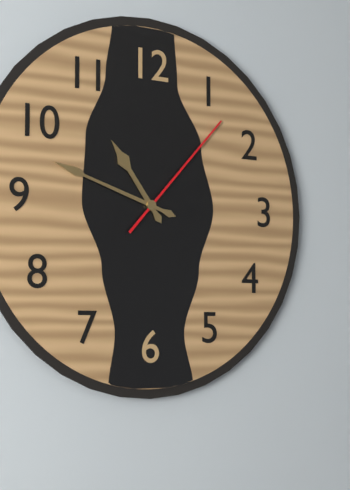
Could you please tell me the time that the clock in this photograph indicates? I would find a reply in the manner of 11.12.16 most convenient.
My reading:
10.48.07
